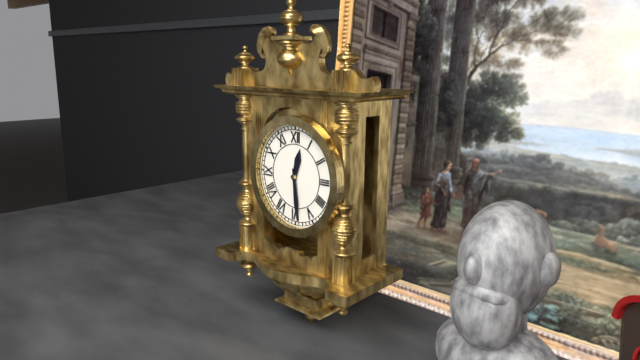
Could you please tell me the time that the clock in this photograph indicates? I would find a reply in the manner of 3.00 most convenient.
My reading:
12.29
